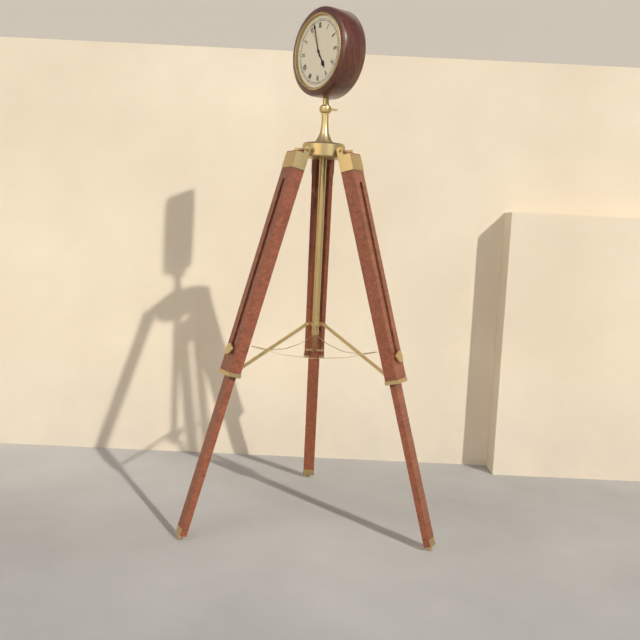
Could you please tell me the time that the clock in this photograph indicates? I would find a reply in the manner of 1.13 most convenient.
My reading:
4.57
